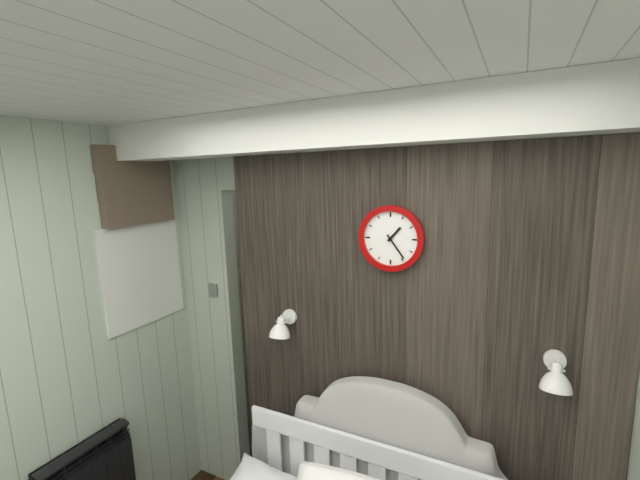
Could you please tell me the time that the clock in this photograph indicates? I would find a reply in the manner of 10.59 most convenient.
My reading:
1.24
